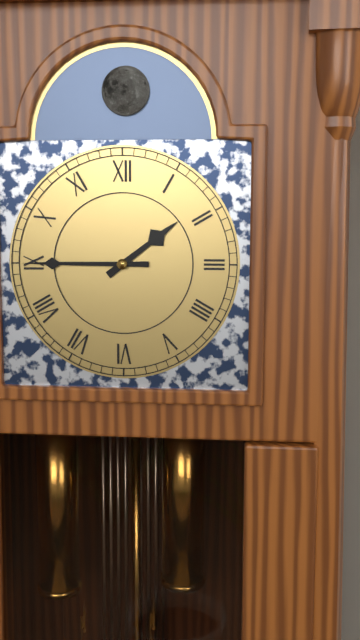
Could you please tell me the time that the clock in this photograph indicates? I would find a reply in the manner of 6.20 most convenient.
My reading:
1.45
